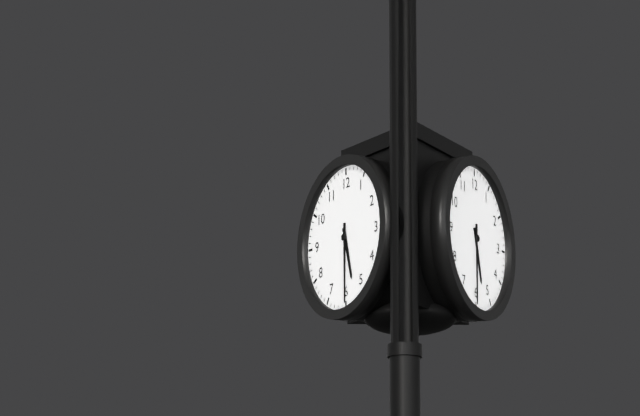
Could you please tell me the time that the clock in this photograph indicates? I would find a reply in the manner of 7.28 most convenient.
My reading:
5.30
